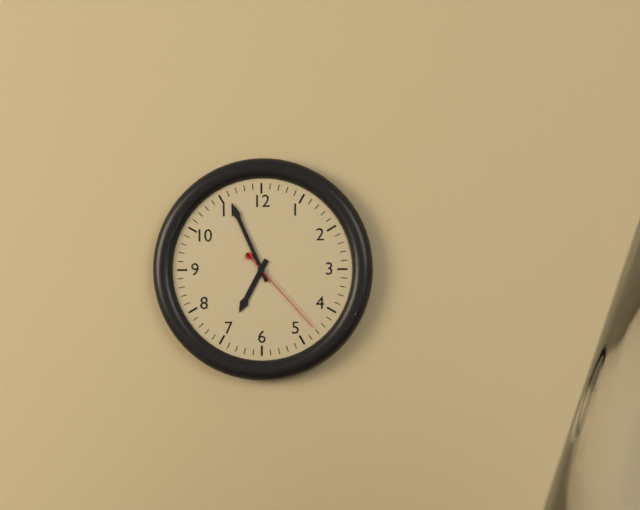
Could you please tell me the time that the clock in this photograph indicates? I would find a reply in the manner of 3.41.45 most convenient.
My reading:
6.56.23
